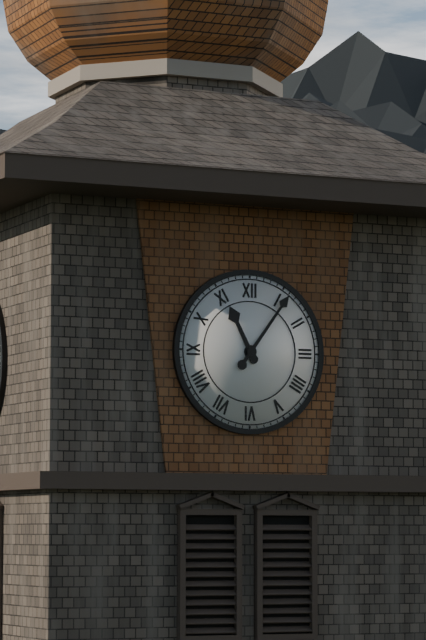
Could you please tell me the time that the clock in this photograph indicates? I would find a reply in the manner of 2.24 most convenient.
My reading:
11.06
